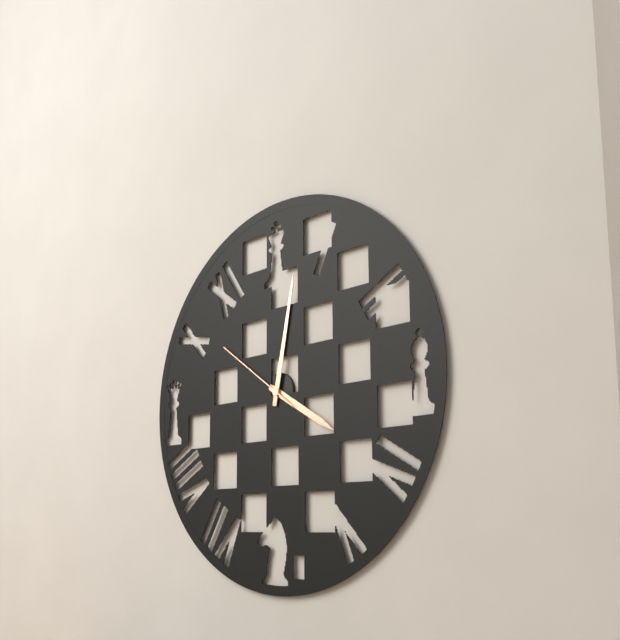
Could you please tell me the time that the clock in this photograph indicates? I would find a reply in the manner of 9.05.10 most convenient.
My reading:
4.02.51
